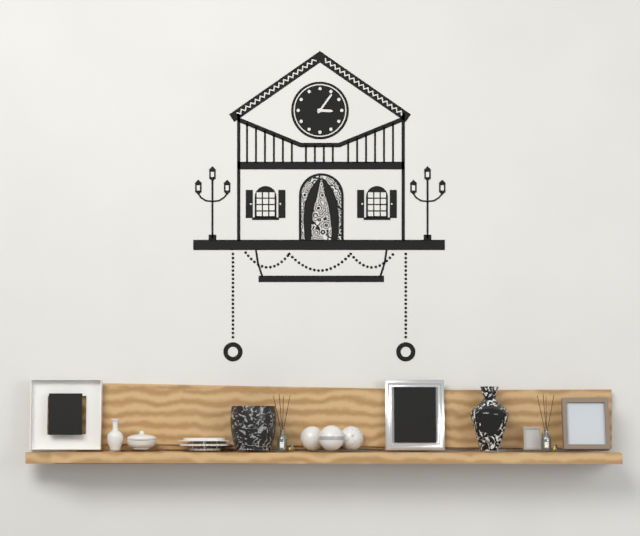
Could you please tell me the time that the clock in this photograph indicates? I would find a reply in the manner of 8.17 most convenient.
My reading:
3.06
